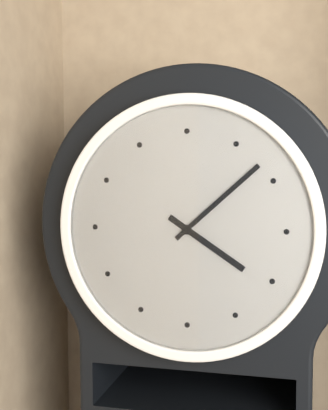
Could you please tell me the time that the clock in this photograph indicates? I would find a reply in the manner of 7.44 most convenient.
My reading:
4.08
